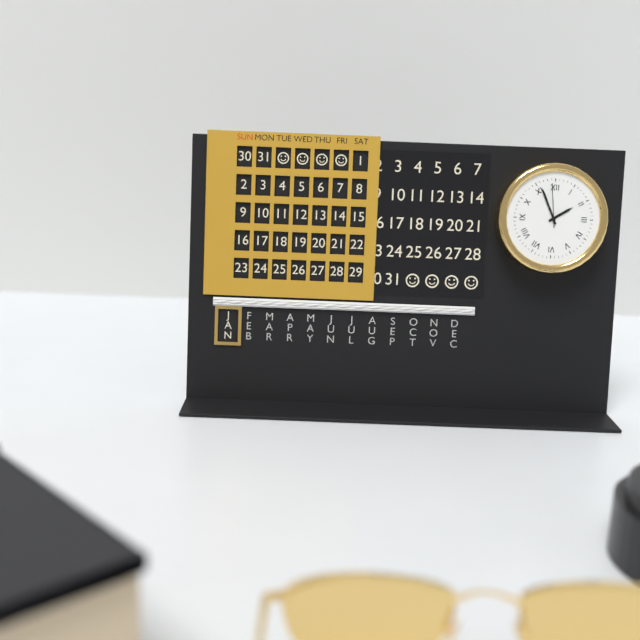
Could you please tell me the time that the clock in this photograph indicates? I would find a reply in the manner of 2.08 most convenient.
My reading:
1.56
